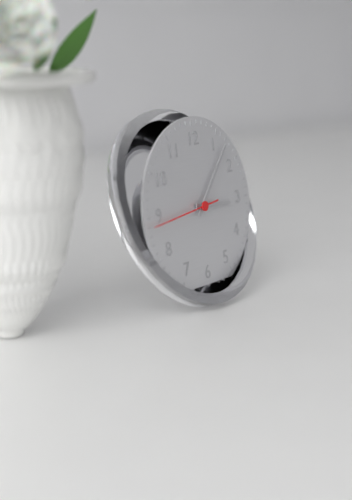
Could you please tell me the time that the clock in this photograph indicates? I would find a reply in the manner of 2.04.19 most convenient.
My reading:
3.07.44
